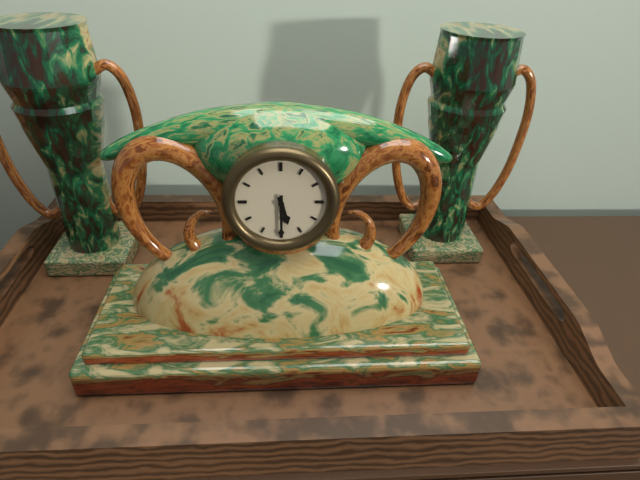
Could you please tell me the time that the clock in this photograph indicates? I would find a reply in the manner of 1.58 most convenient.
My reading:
5.30
